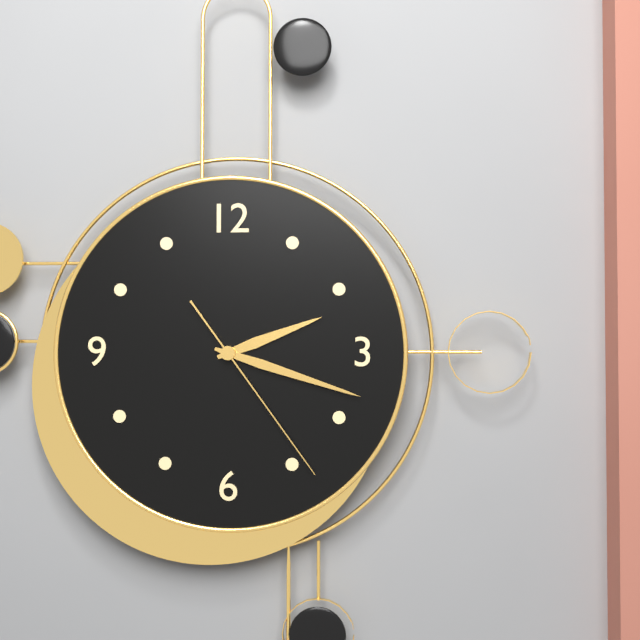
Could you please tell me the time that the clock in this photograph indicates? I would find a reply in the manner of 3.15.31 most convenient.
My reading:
2.18.24
